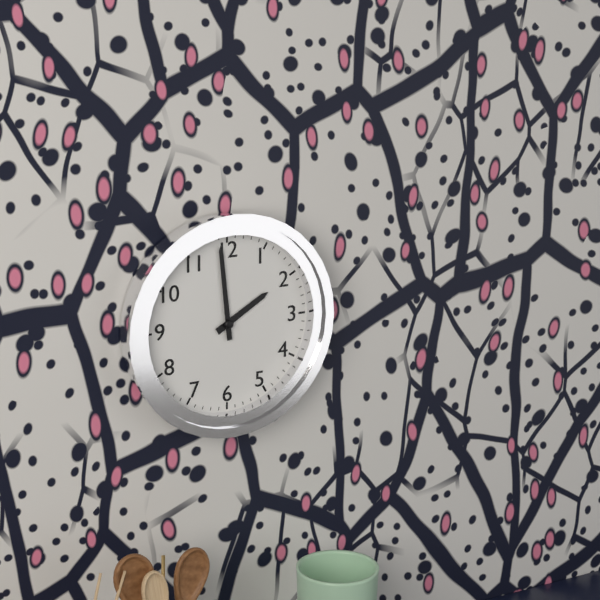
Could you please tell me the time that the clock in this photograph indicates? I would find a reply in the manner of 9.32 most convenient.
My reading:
1.59
